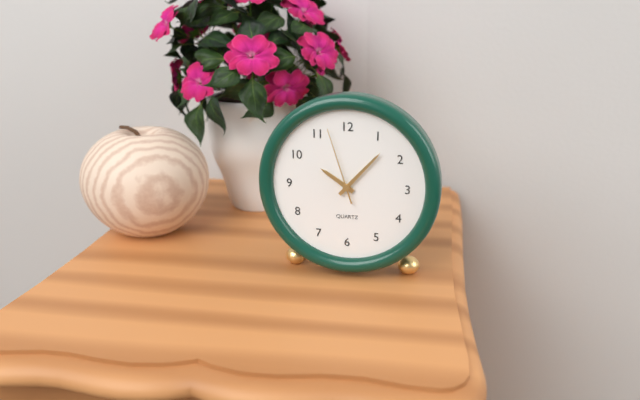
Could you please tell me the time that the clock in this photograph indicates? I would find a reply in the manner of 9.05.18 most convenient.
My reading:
10.07.57
